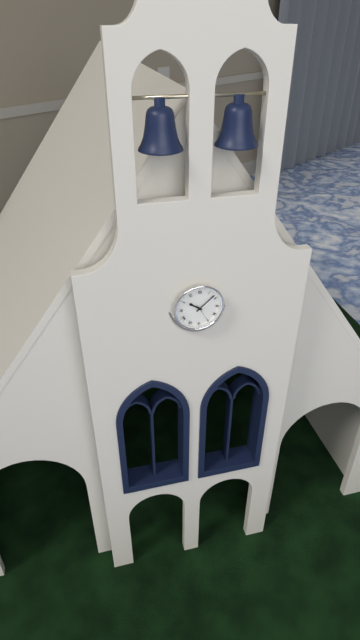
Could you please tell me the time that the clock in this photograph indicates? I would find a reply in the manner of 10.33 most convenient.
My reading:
10.08
